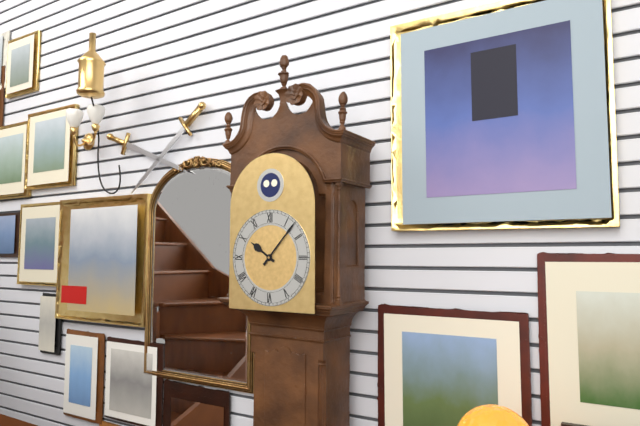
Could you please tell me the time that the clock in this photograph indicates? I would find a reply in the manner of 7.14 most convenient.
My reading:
10.07
